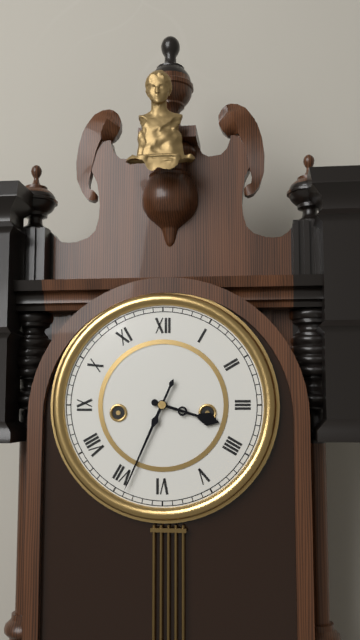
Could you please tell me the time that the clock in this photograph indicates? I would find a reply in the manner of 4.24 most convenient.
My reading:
3.34
